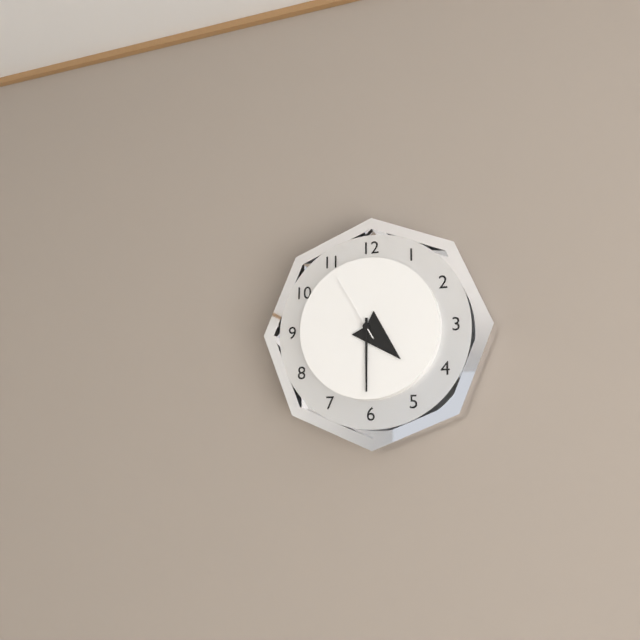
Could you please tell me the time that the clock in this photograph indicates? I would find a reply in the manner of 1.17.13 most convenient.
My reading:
4.30.55
